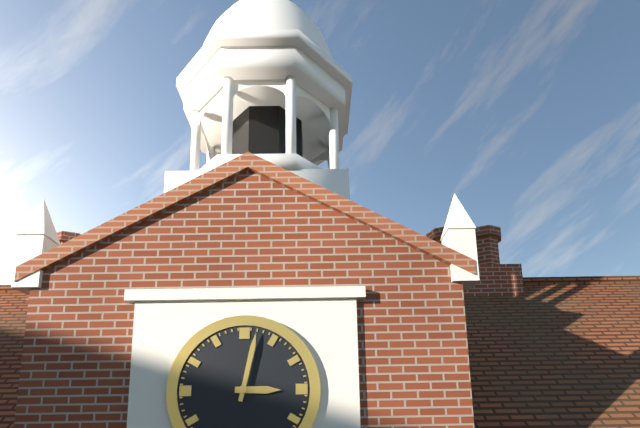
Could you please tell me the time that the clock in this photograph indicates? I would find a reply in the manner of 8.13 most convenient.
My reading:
3.02
